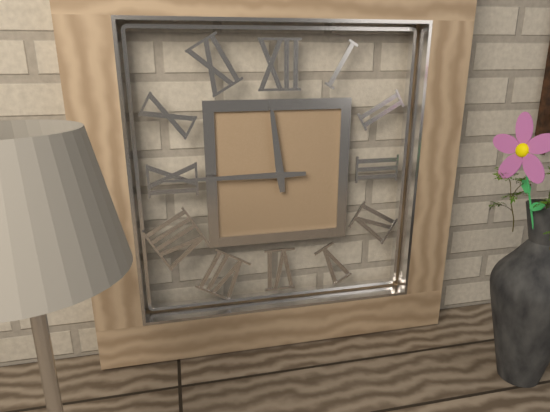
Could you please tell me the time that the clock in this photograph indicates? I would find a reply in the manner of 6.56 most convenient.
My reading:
11.45
